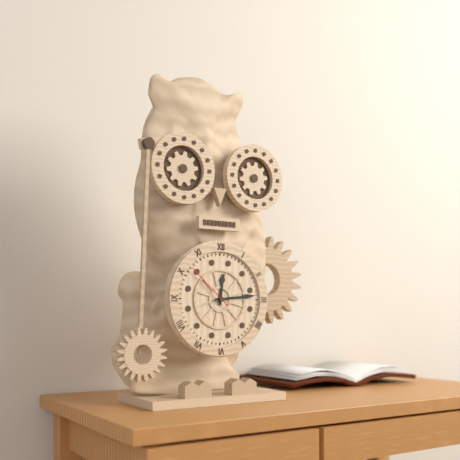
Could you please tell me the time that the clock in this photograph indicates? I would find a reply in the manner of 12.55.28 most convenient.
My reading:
12.14.52
